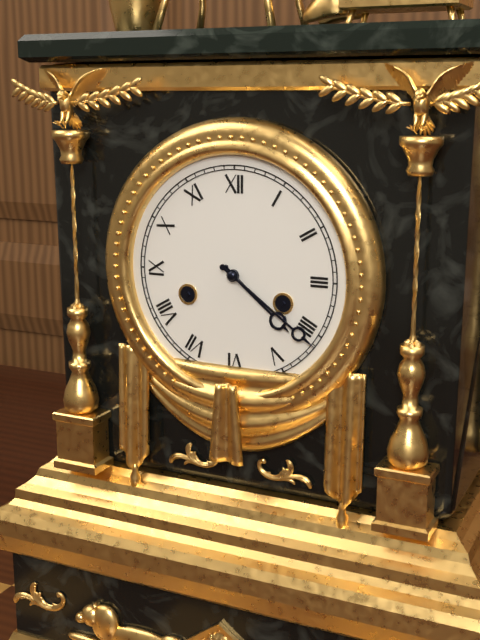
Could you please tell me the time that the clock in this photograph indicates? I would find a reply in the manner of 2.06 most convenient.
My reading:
4.21
